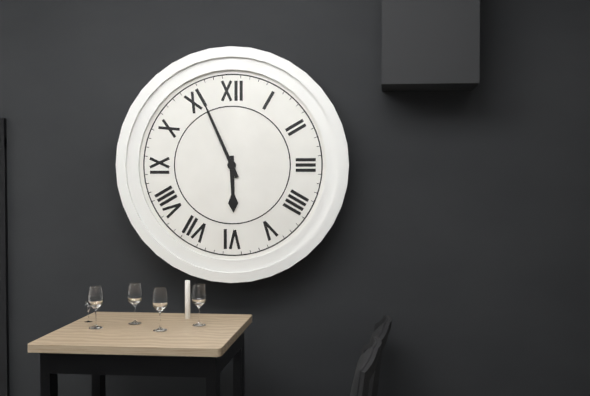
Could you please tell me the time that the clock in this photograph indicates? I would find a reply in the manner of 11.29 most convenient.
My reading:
5.56
